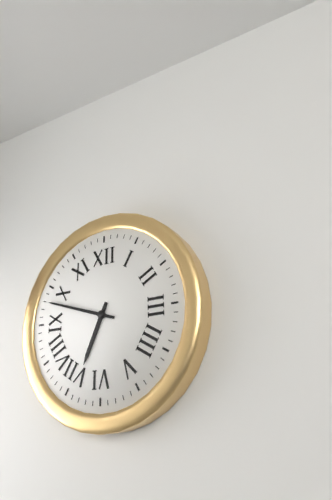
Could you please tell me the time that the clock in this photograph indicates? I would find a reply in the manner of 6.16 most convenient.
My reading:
6.48
